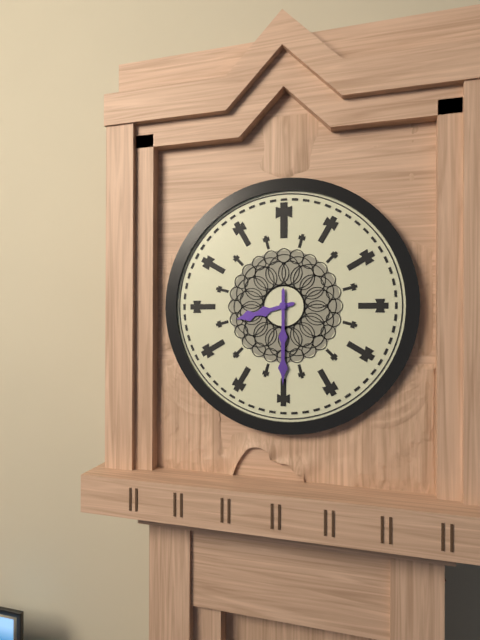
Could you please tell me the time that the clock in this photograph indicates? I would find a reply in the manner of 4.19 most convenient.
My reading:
8.30
